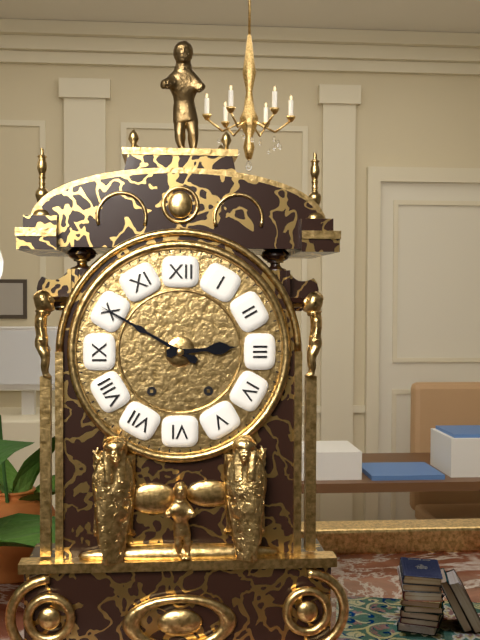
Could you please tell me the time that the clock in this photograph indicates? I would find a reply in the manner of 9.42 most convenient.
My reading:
2.50
